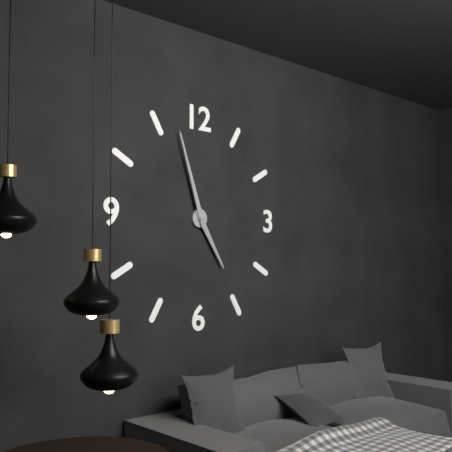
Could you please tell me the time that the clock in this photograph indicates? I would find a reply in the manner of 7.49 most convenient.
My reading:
4.57
